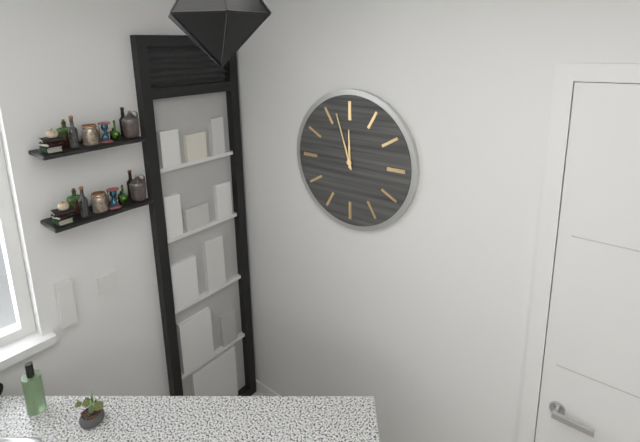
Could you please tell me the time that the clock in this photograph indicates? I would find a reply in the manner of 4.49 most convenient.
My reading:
11.57
